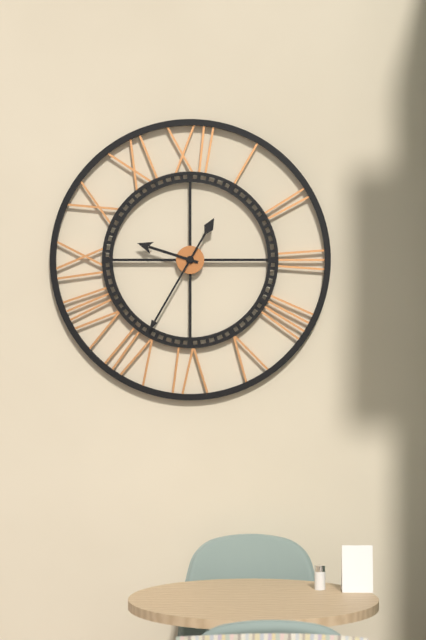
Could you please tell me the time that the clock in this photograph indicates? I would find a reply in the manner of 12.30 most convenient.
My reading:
9.35
